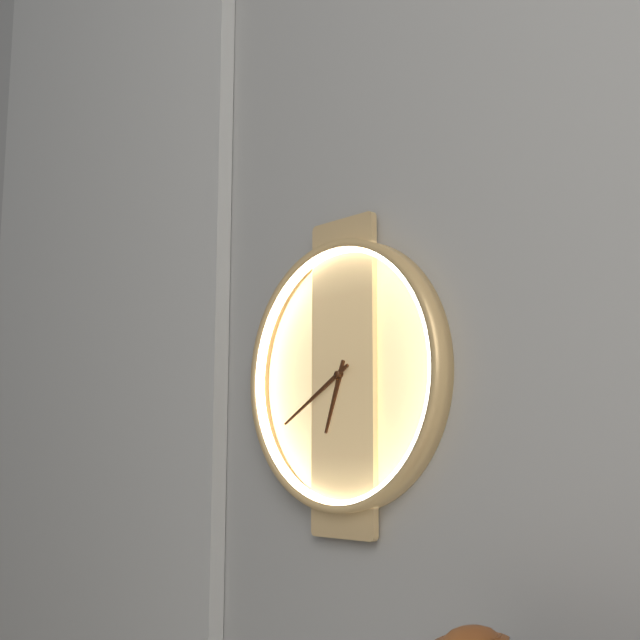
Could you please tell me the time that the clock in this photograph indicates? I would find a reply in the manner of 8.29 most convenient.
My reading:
6.40
